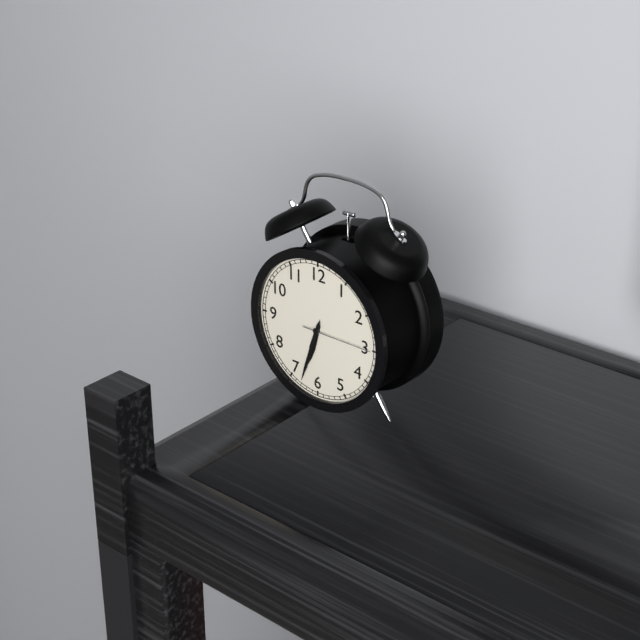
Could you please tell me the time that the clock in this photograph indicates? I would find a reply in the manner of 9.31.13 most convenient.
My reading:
6.33.15
